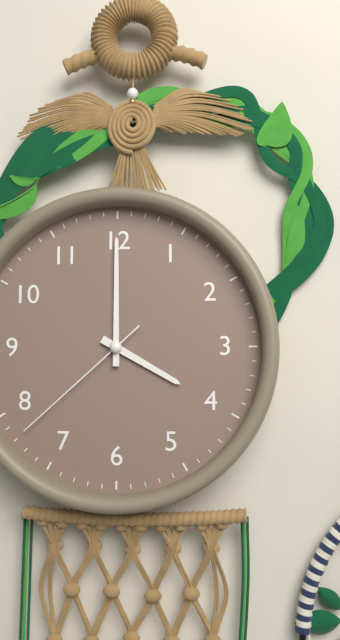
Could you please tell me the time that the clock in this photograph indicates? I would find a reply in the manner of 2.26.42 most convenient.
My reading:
4.00.38
